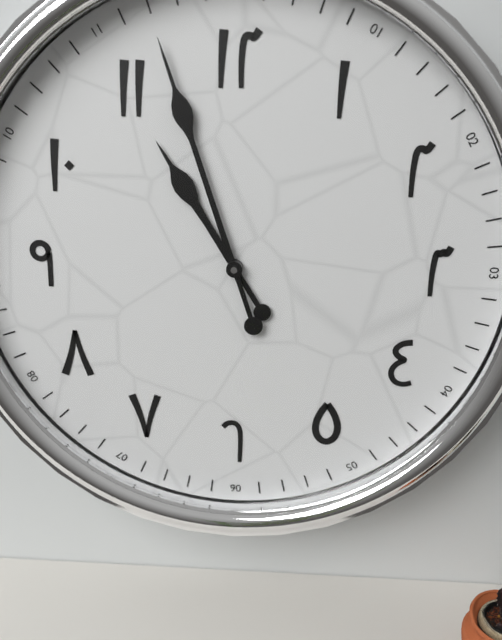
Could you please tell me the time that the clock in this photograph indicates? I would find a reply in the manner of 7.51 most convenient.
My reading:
10.57
